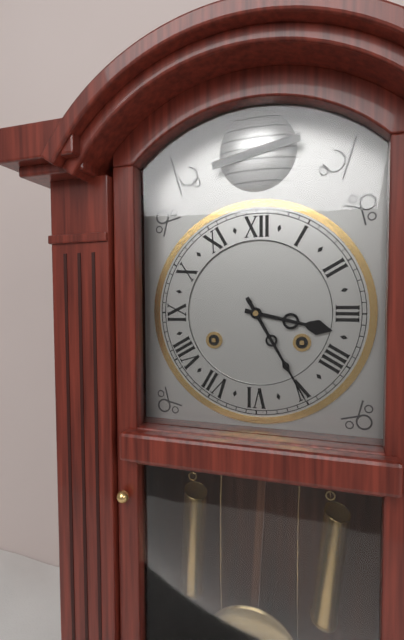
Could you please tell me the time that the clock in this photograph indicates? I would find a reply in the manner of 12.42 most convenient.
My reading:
3.25
